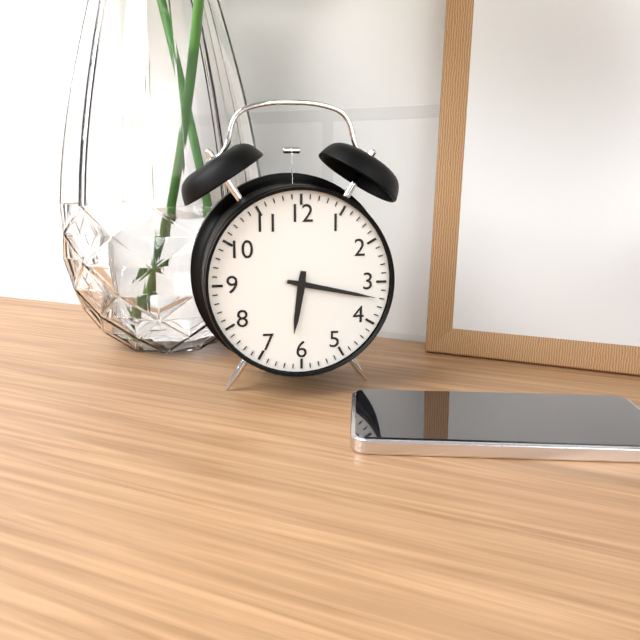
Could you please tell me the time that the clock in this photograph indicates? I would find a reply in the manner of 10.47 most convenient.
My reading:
6.17
